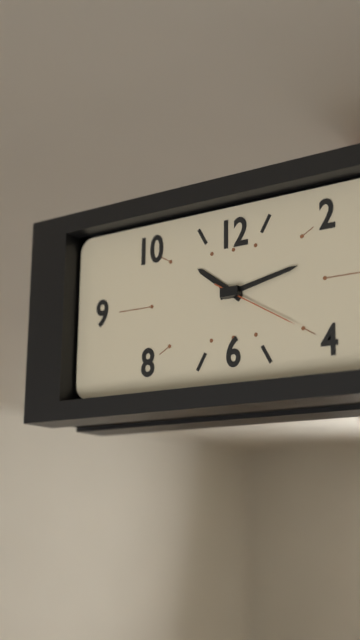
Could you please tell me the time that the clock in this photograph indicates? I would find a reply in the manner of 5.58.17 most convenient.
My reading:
10.13.20
